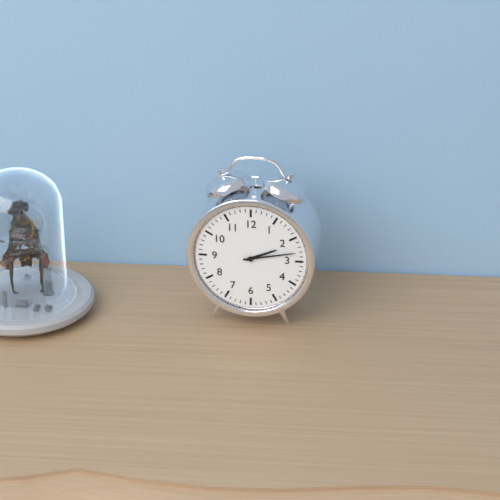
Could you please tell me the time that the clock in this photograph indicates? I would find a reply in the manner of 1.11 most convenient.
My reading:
2.13
